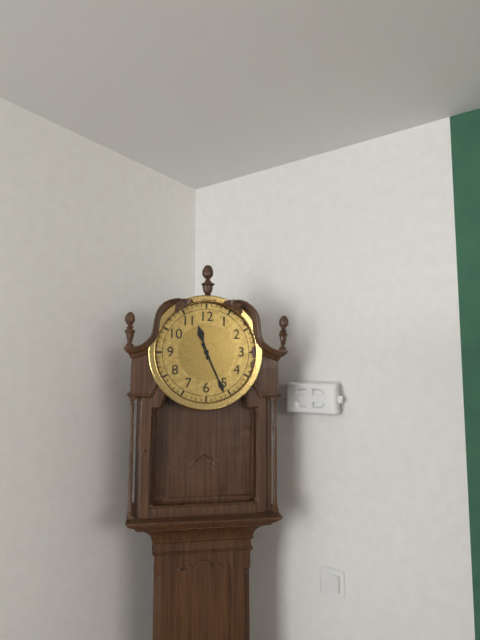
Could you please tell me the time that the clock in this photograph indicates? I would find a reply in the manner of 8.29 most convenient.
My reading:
11.26
